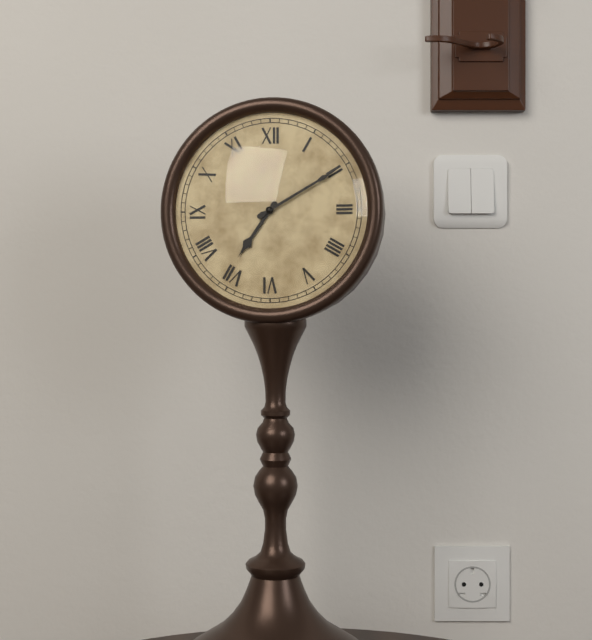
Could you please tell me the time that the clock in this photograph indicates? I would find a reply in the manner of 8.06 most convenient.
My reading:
7.10
